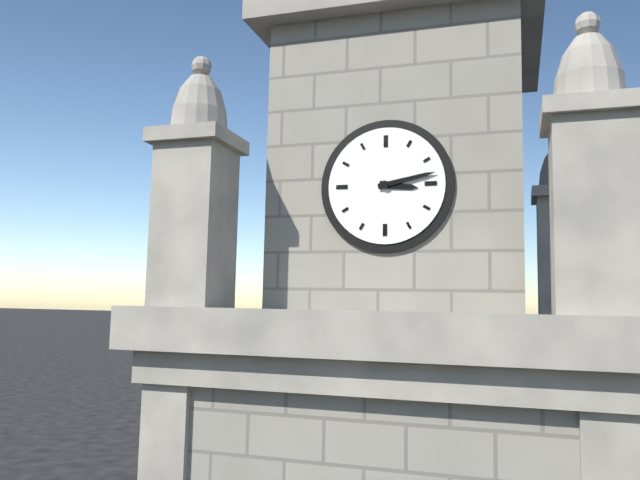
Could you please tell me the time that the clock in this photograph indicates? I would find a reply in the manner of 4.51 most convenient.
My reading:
3.13
